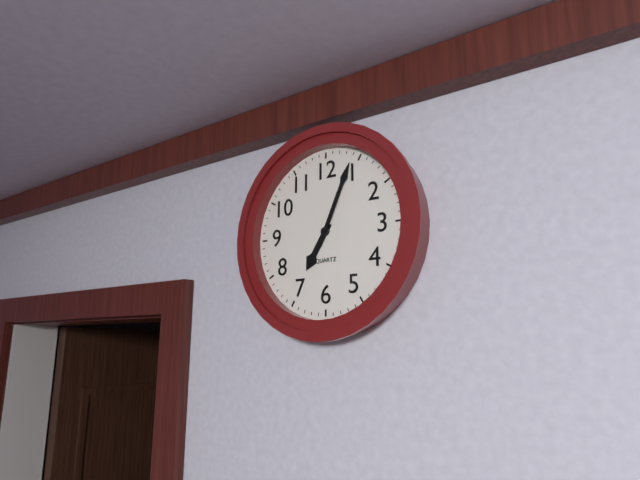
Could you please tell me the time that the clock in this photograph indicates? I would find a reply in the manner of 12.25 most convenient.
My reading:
7.04
